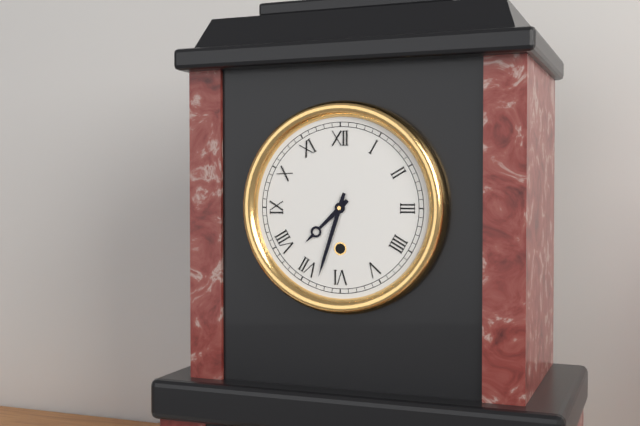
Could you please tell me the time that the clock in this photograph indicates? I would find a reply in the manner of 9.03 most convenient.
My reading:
7.33
